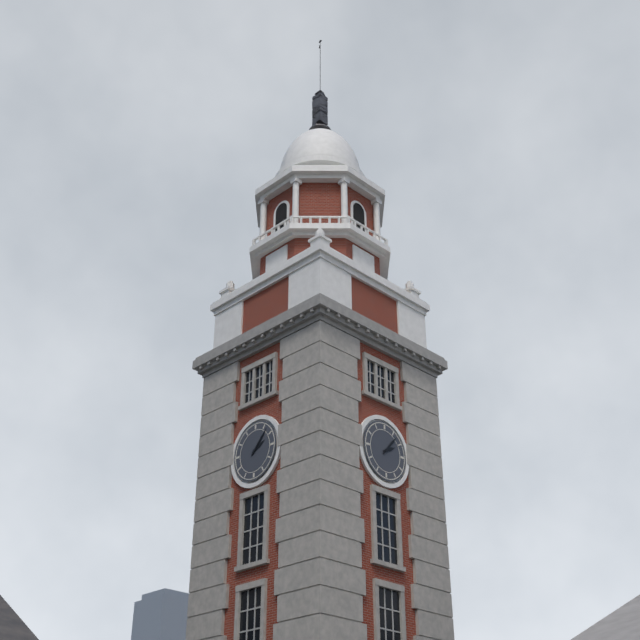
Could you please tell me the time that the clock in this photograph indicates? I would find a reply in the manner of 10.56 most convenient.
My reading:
2.07
